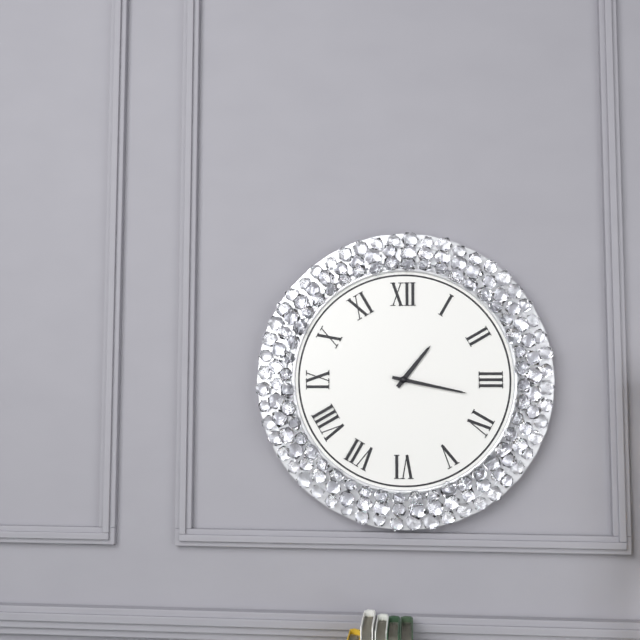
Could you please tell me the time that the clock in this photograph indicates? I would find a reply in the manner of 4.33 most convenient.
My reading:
1.17
